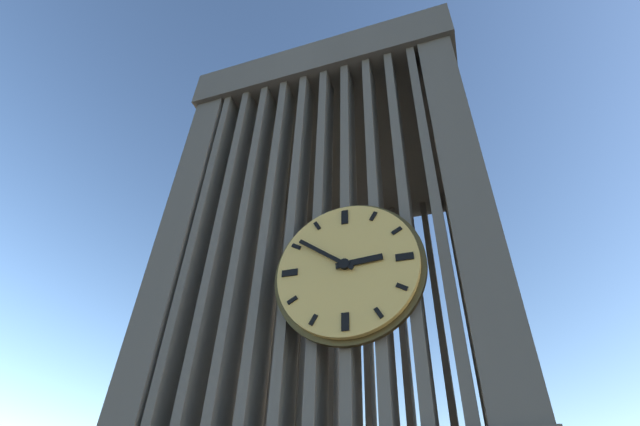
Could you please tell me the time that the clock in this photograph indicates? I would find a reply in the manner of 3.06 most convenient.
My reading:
2.51
